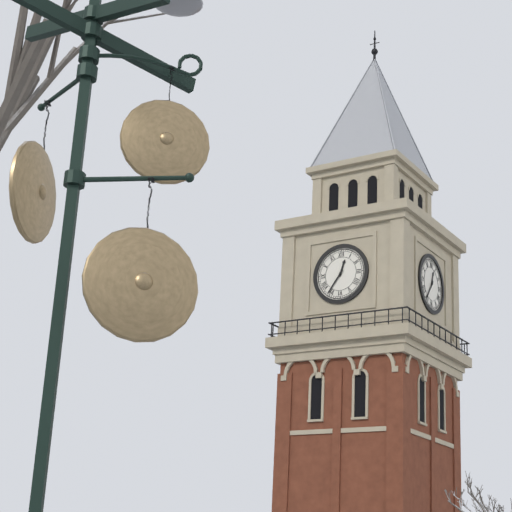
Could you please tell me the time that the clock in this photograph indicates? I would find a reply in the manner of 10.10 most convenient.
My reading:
12.36
